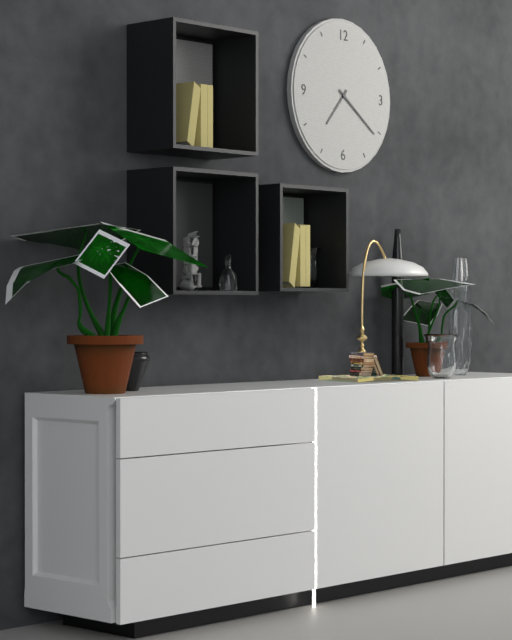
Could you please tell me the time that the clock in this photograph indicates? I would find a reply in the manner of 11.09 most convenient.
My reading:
7.21
